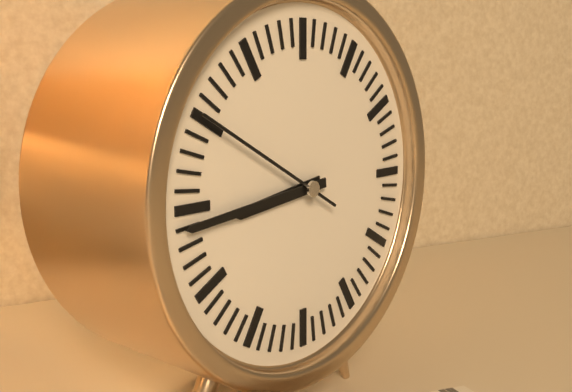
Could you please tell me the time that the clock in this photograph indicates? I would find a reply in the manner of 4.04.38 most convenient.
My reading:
8.44.50
